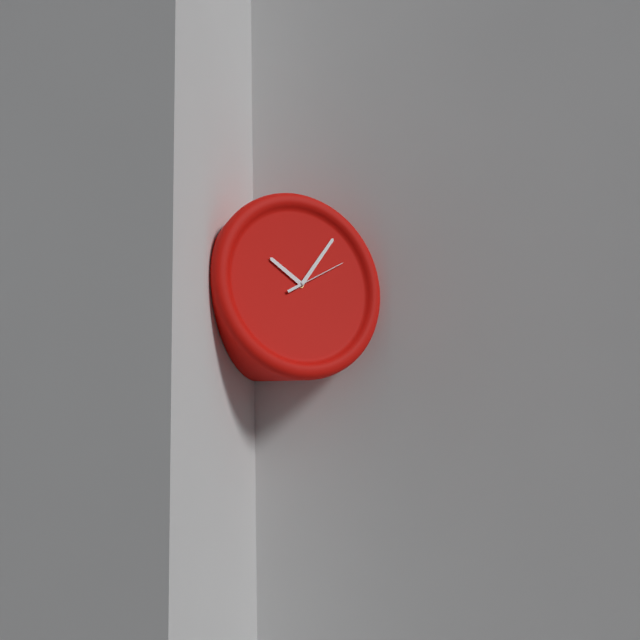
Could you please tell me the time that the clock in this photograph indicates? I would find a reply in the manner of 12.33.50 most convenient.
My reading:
10.06.10
